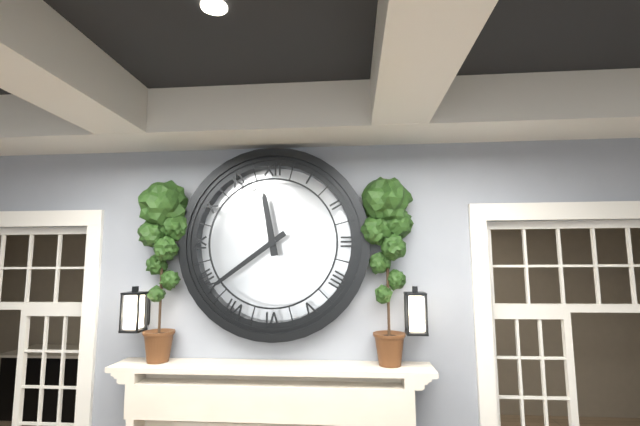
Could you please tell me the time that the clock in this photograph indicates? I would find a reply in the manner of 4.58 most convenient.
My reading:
11.39
